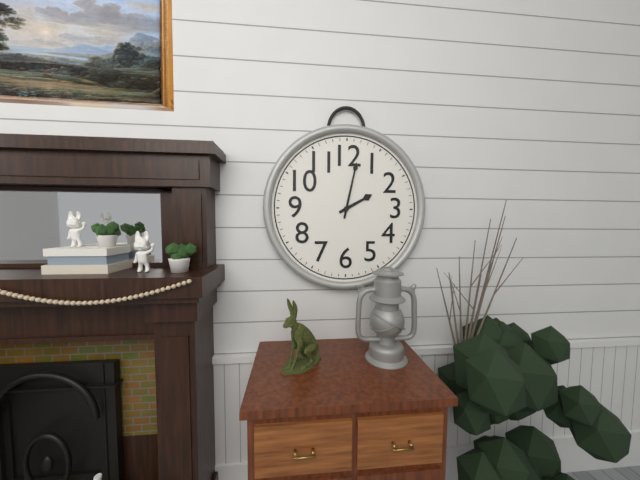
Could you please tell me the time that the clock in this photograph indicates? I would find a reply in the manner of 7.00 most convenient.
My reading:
2.02
